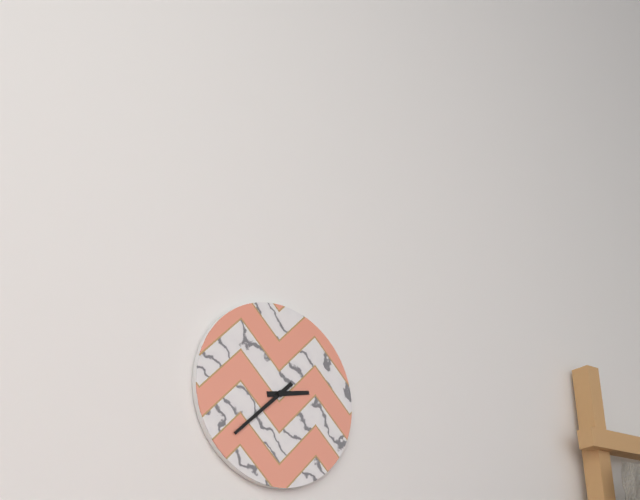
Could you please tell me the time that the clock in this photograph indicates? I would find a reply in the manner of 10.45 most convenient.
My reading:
2.38
